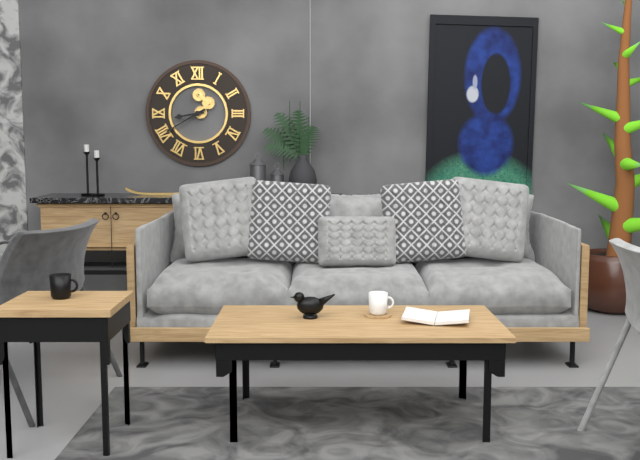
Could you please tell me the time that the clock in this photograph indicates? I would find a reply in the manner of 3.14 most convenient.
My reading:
8.40
